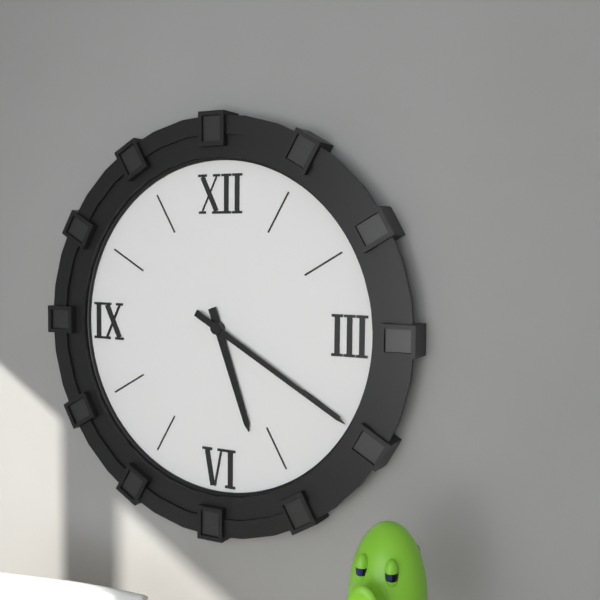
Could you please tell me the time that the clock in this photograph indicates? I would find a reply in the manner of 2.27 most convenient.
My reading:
5.20
